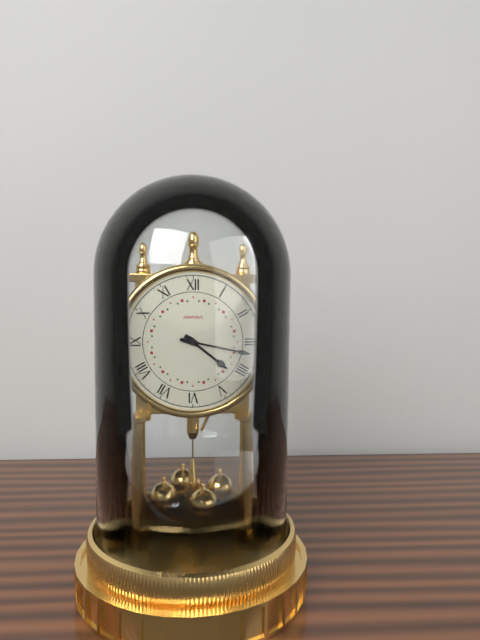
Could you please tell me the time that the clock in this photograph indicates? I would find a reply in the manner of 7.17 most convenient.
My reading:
4.17
